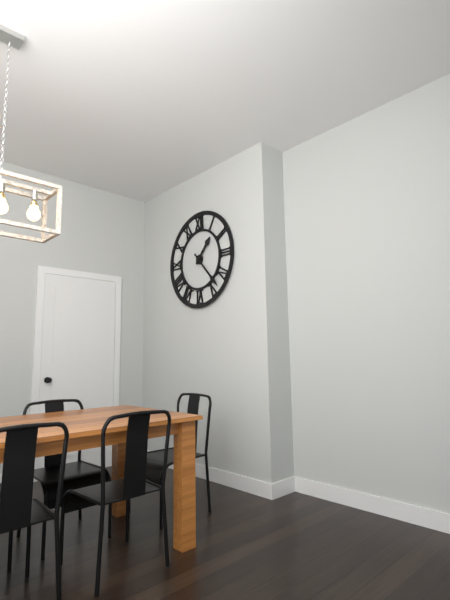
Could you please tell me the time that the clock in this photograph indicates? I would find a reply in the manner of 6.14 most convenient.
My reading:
1.23
